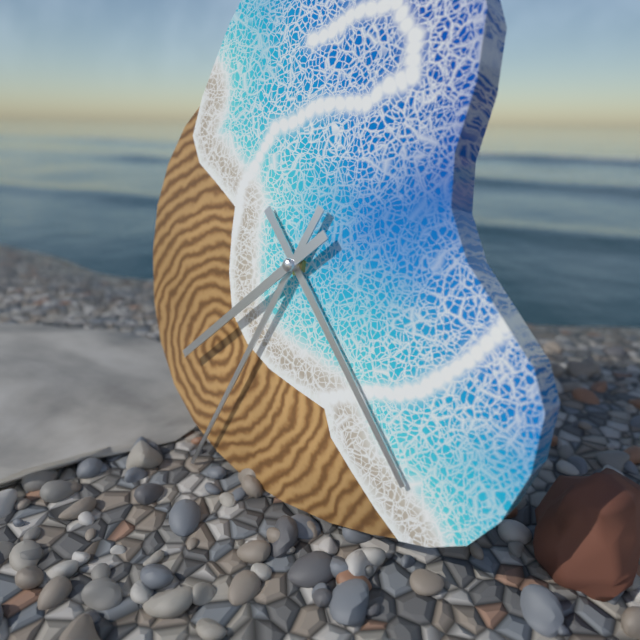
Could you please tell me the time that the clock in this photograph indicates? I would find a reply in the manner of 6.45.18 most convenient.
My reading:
4.34.38
